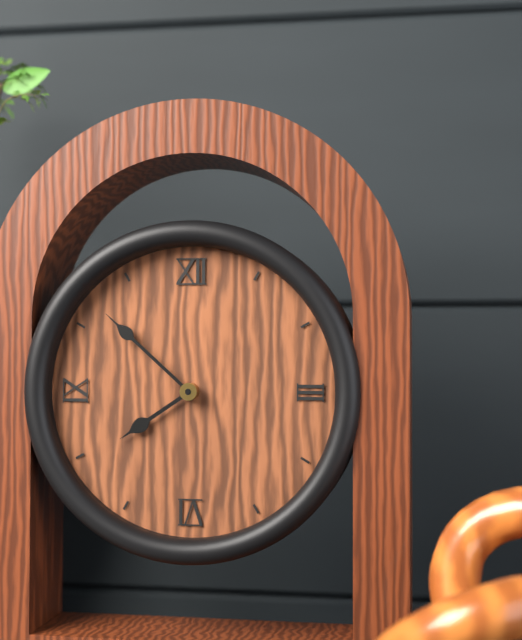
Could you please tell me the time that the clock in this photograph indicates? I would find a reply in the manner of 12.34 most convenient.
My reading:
7.52
